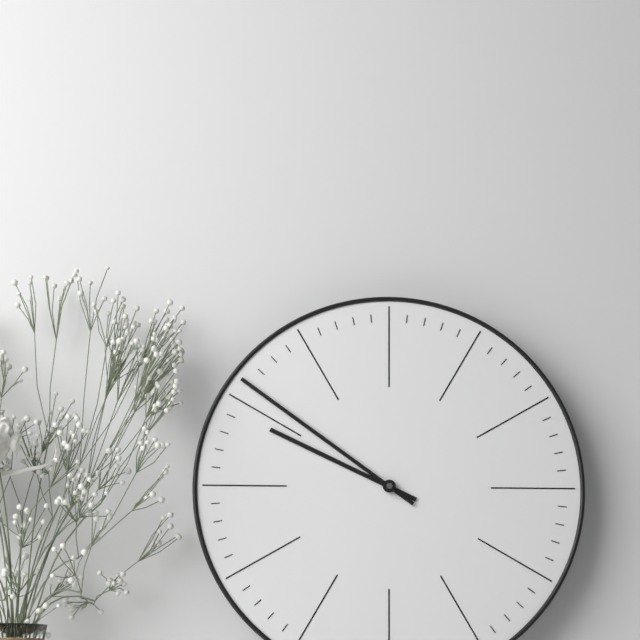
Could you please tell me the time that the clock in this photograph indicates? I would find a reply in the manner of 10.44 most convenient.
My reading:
9.51
